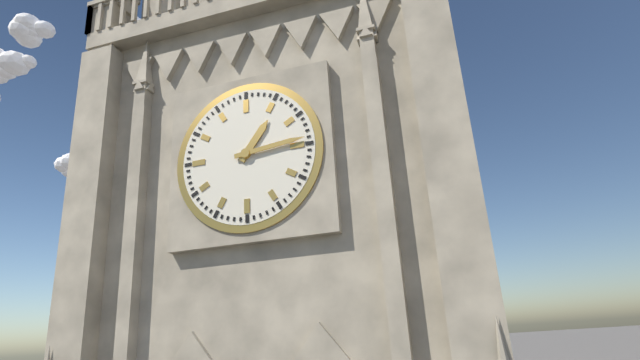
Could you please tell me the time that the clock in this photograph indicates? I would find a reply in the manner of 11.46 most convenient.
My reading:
1.14
